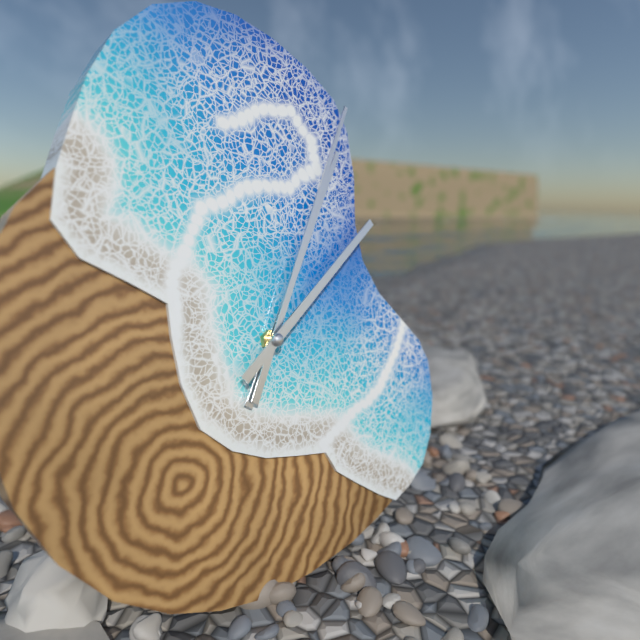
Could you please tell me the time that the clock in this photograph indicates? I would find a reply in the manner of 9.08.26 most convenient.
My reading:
1.05.09
